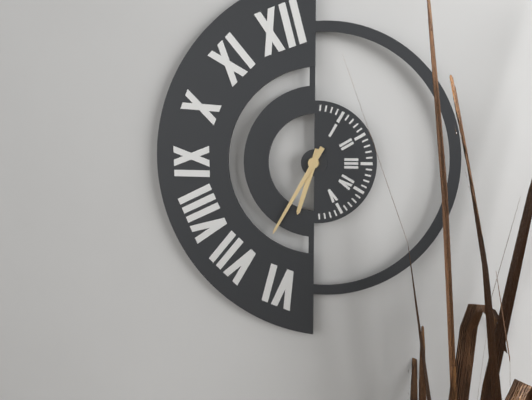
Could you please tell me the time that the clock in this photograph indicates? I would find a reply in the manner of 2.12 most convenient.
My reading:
6.35
